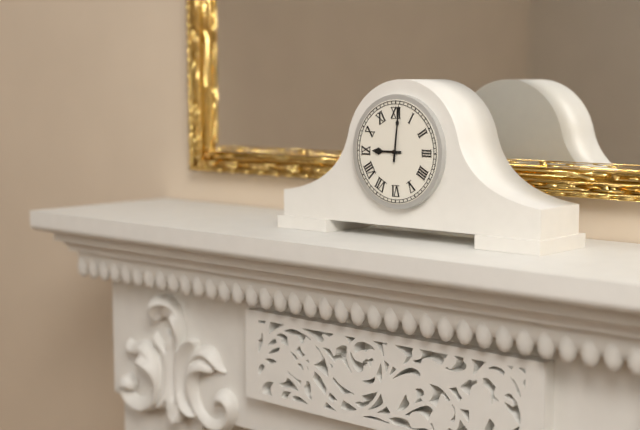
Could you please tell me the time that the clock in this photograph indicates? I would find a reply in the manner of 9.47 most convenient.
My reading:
9.01
